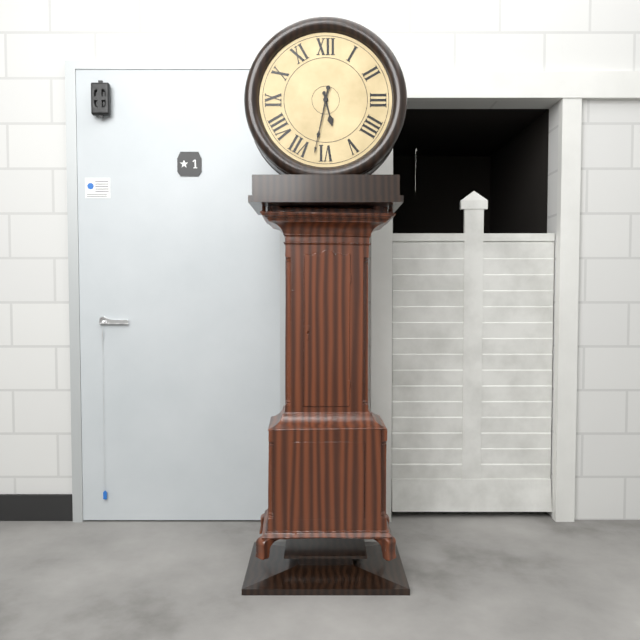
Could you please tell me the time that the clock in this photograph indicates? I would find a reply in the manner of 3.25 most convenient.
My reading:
5.32
